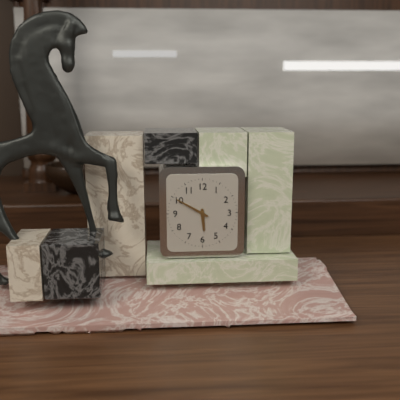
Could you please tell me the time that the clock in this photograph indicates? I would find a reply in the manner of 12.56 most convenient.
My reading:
5.50
